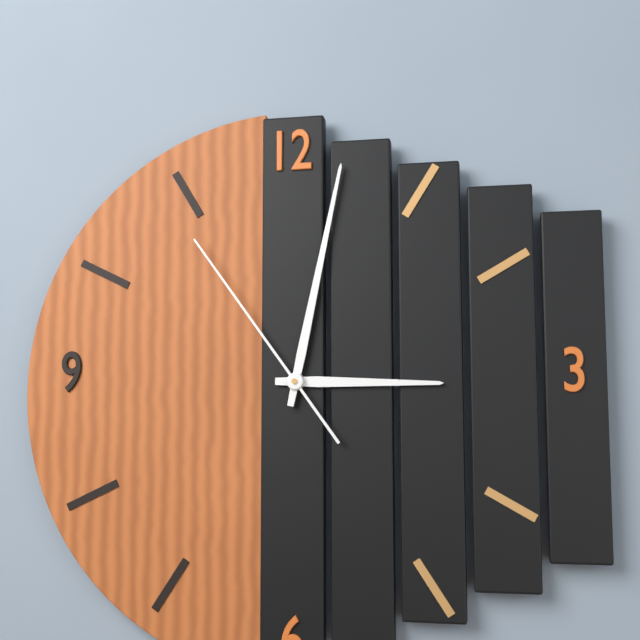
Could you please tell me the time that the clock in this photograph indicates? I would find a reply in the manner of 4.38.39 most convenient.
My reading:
3.02.54
